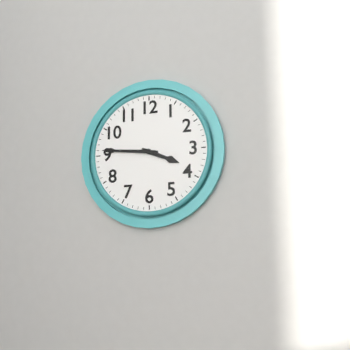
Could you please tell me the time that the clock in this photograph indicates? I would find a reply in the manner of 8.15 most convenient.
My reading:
3.46
